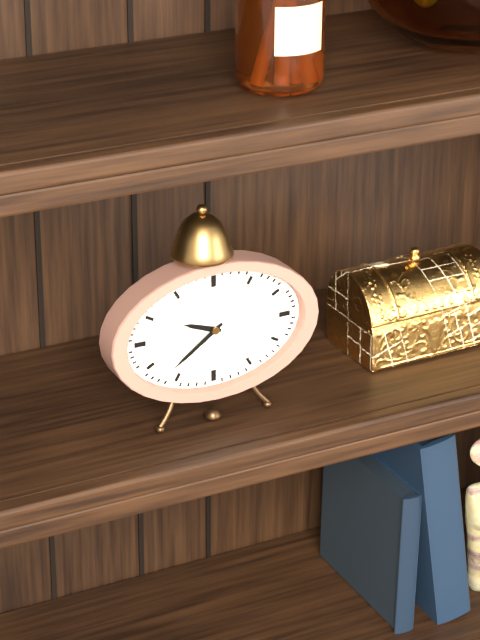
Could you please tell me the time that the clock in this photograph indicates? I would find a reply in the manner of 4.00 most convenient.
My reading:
9.39
